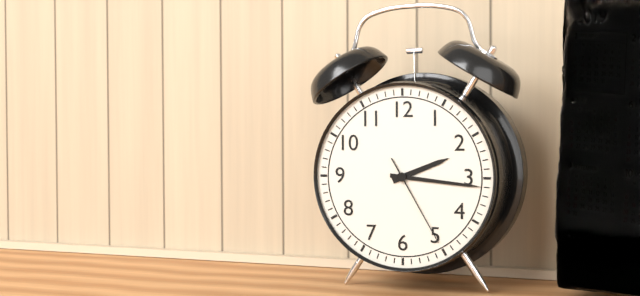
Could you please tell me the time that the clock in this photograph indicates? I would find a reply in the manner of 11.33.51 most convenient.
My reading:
2.16.25
